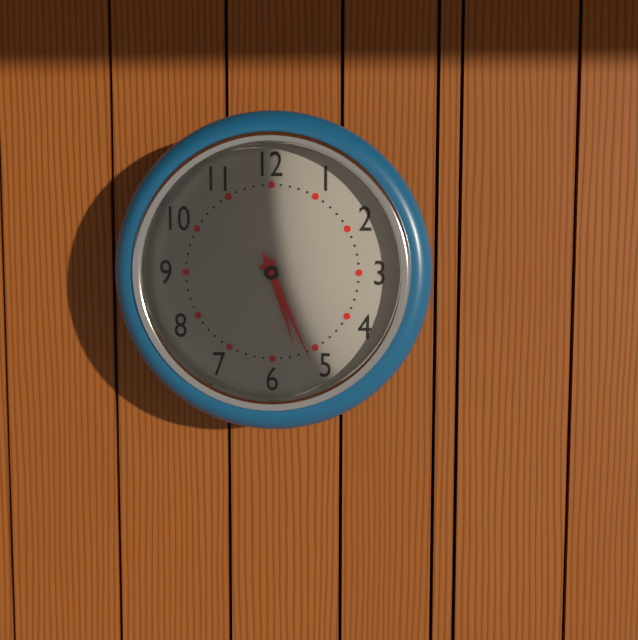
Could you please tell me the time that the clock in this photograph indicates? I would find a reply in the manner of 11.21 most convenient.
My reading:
5.26
